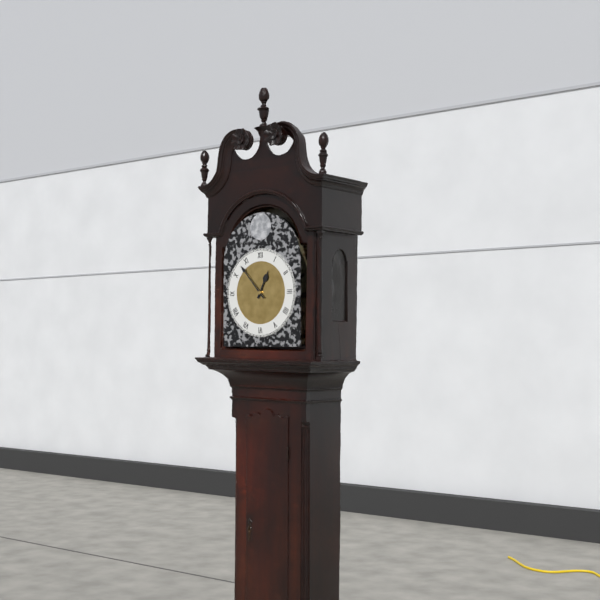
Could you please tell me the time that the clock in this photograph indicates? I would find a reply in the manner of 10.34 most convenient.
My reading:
12.53
